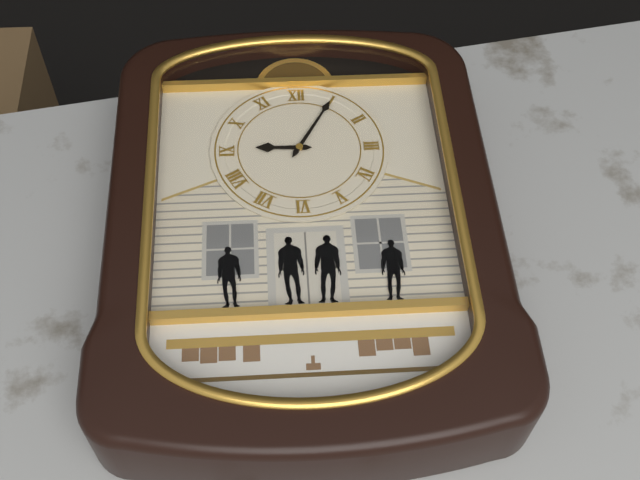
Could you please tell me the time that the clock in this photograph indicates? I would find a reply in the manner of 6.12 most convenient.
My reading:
9.05
